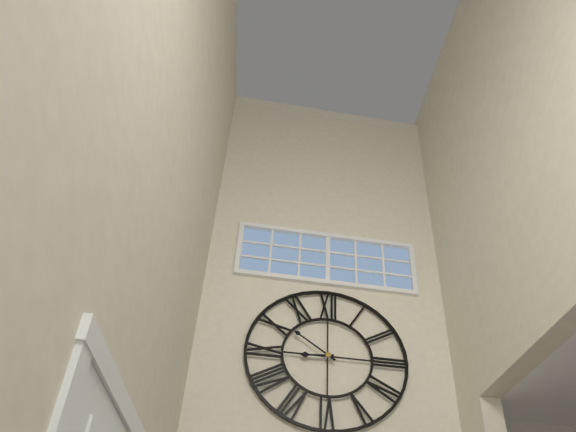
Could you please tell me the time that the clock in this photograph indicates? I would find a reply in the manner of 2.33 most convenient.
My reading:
8.51
